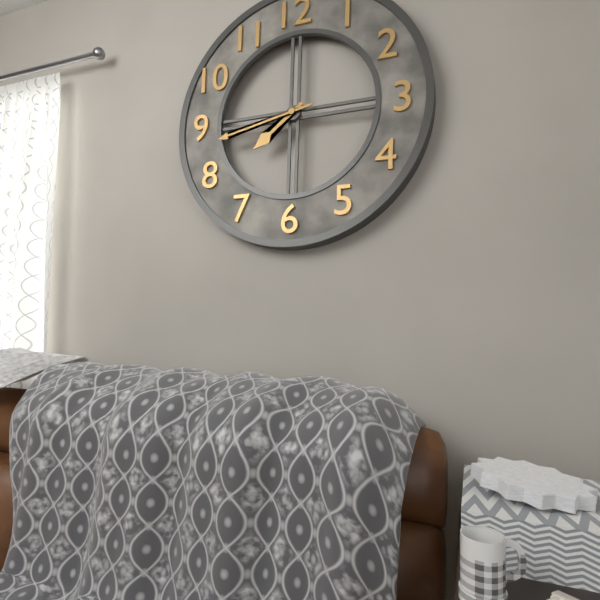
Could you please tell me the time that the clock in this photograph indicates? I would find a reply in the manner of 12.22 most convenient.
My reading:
7.43
